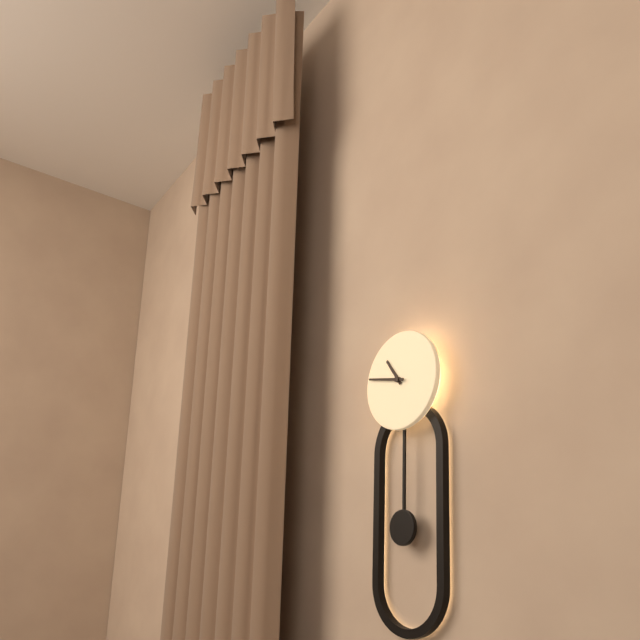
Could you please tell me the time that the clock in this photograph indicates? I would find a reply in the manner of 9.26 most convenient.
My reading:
10.47
